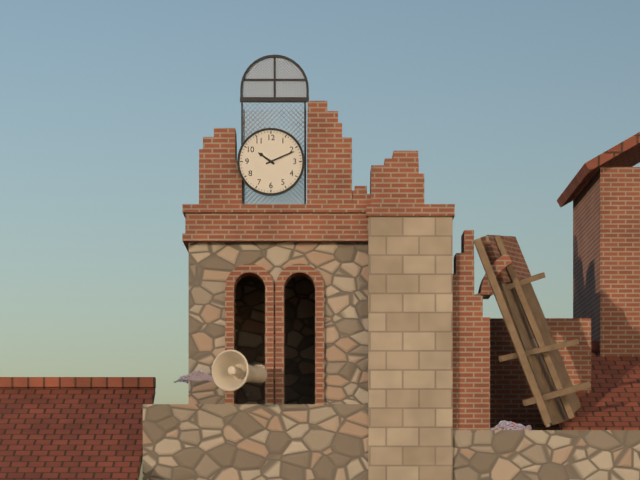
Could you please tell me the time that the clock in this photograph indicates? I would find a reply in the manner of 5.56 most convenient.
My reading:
10.11
